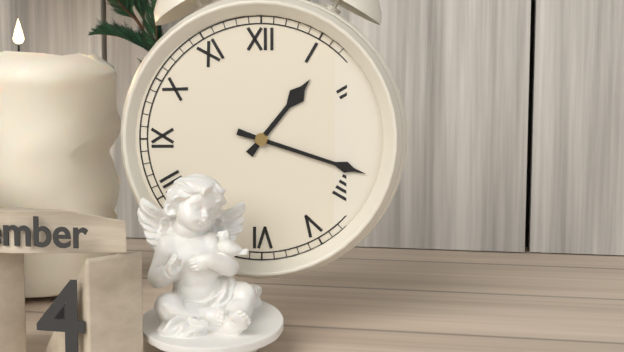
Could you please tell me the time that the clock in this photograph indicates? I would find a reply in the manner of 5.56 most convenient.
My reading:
1.18
